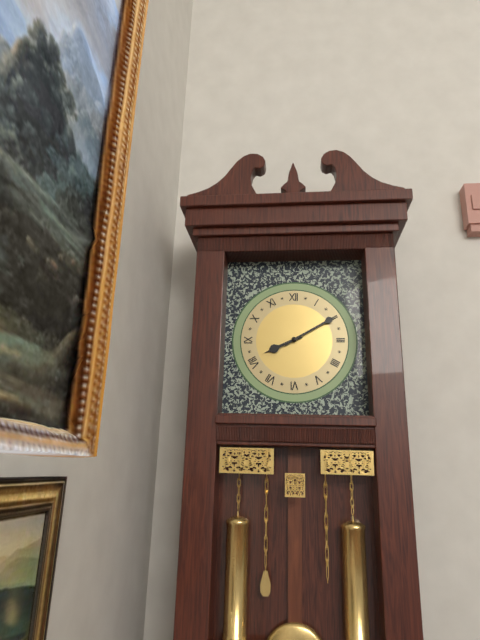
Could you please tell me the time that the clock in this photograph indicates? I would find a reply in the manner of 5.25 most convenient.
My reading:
8.10
